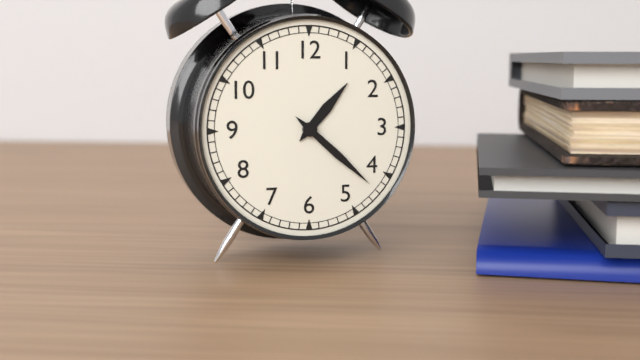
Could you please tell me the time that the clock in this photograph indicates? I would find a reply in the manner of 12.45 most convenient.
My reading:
1.22
